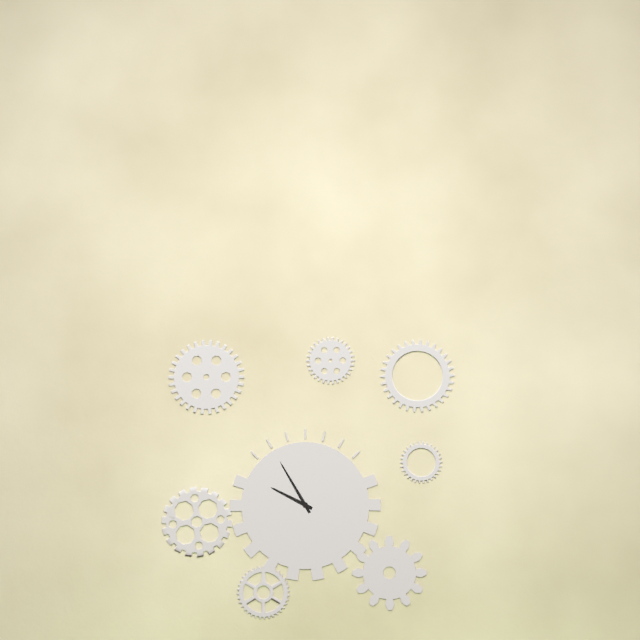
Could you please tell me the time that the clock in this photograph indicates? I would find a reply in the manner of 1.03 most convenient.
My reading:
9.55
